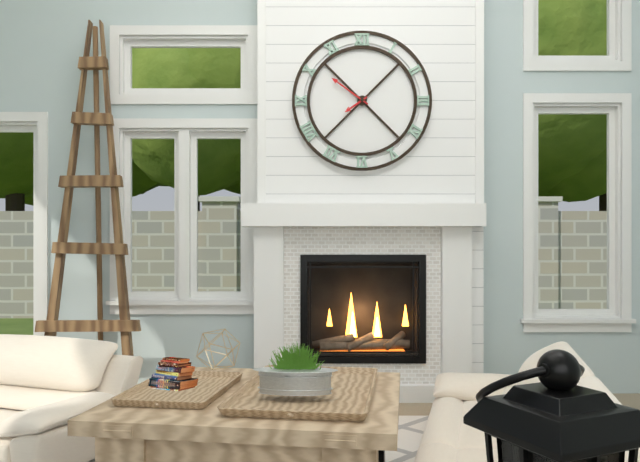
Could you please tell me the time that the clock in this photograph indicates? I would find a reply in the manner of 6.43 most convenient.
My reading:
7.51
